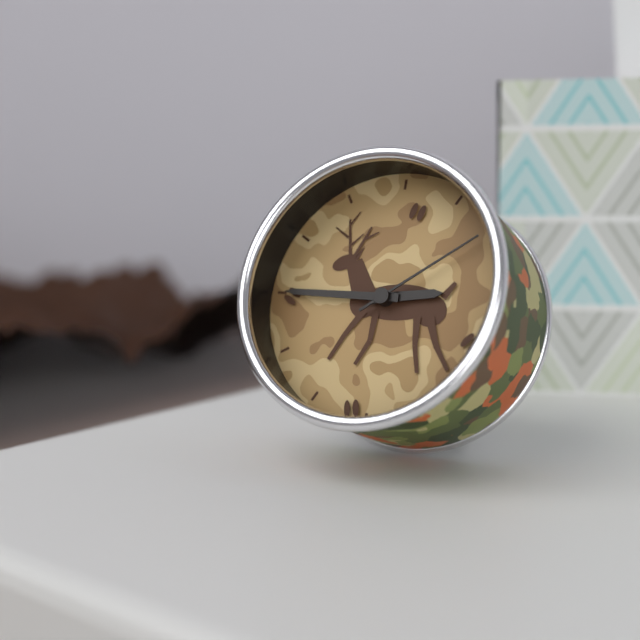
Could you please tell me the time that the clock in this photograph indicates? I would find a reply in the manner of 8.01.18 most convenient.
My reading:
2.45.09
